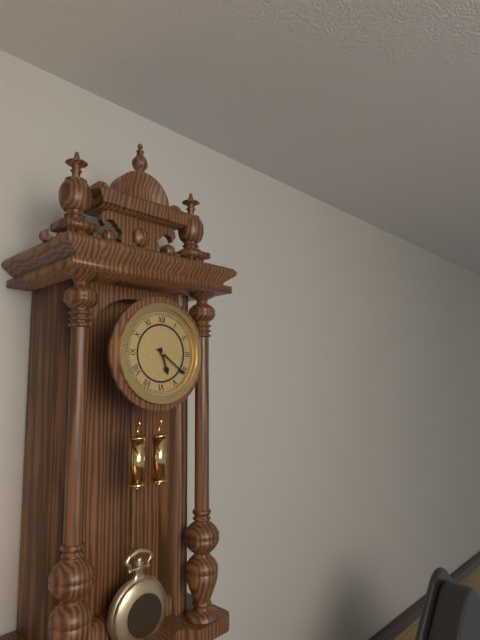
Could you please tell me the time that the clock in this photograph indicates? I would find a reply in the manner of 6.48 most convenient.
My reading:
5.21
